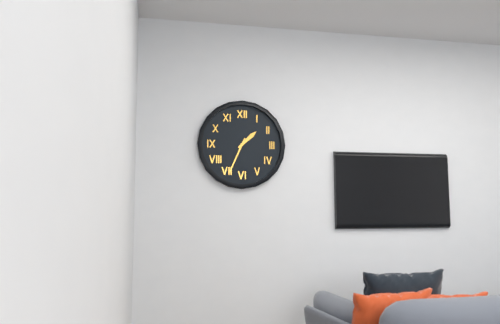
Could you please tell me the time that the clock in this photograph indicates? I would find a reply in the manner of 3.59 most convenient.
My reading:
1.34
